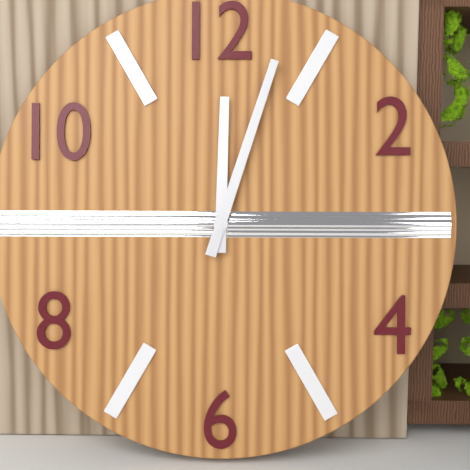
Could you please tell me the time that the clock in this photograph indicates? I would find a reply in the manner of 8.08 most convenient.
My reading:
12.03
